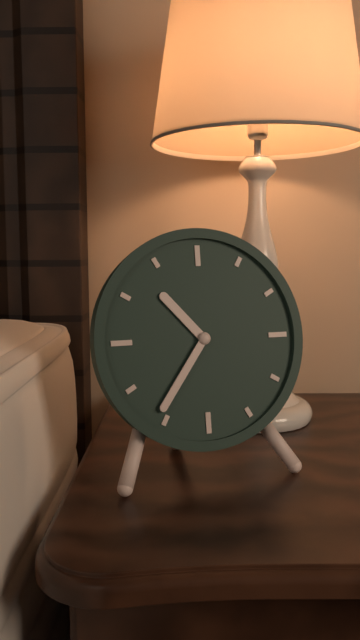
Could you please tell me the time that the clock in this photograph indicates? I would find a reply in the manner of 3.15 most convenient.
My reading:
10.36
